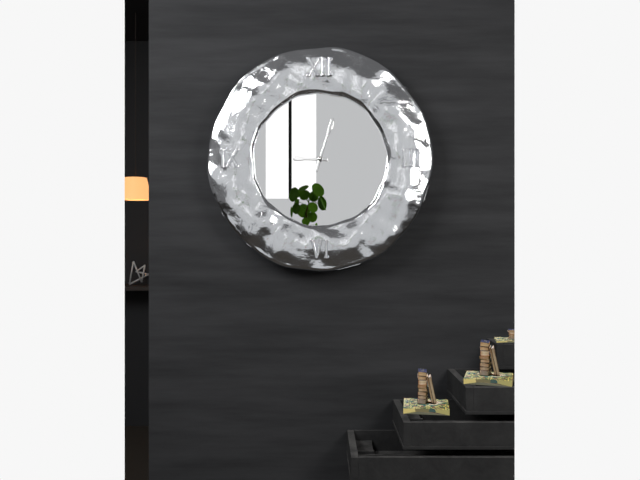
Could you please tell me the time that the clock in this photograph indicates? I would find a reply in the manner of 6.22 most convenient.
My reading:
9.03
